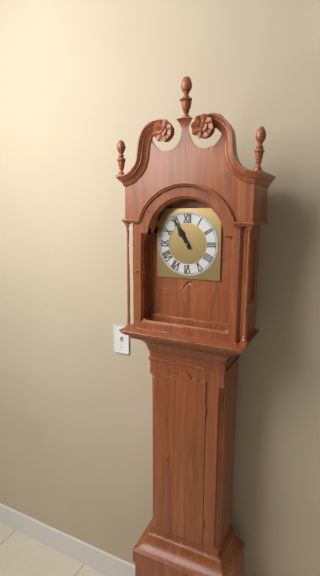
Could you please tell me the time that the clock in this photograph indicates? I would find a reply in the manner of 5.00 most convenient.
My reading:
10.55
